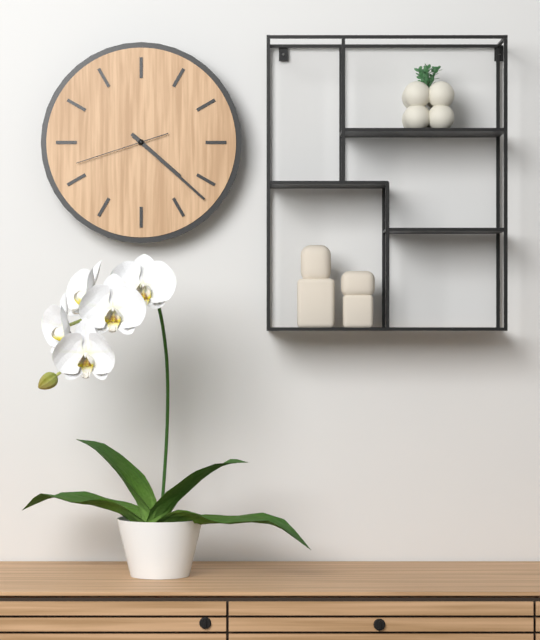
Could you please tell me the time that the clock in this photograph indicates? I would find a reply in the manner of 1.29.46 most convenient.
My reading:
4.22.42
